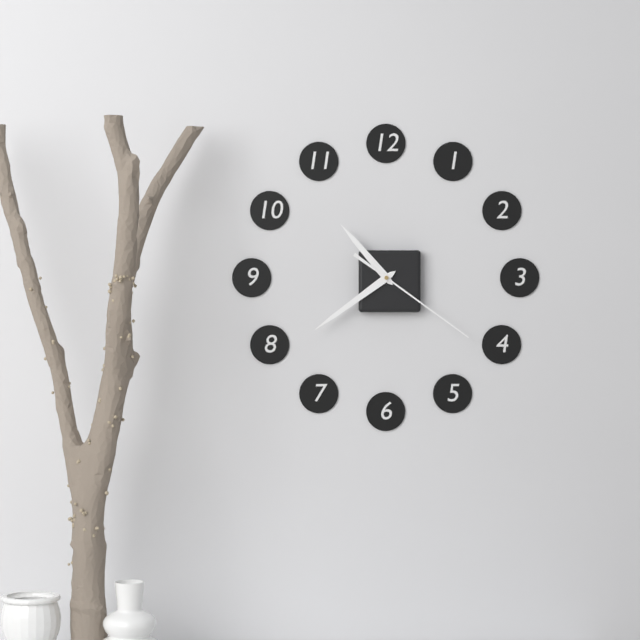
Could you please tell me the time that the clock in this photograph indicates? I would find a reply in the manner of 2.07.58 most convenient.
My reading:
10.39.21
